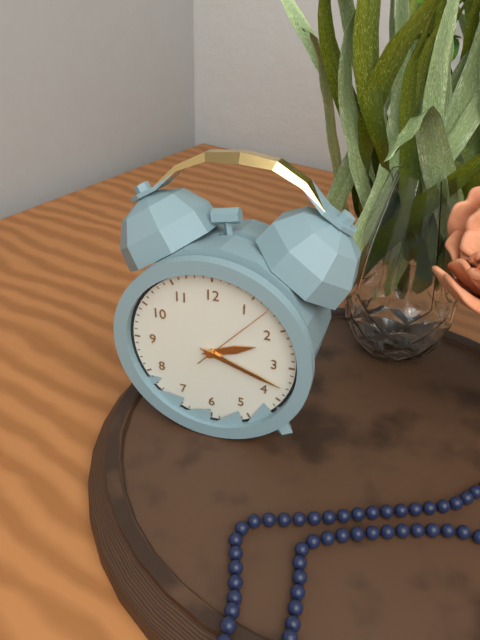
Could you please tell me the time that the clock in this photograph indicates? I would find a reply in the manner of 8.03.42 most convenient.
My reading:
2.18.07
